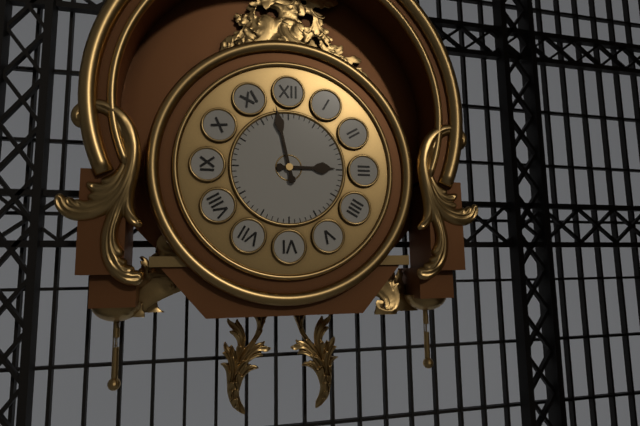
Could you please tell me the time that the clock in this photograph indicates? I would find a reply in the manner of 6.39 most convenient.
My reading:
2.58
